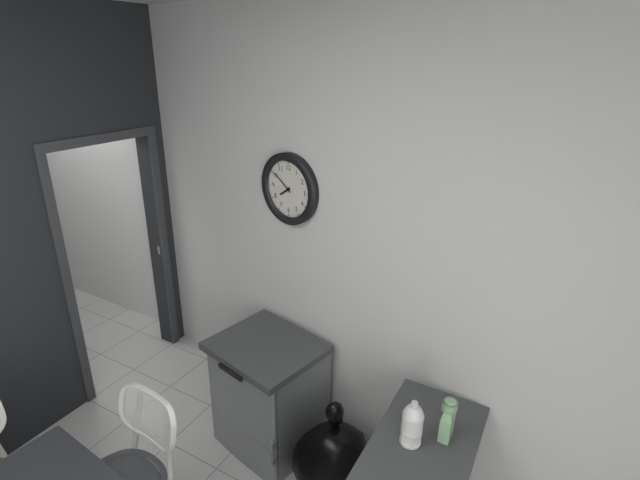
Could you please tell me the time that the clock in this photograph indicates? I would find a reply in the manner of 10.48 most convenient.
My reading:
7.51
